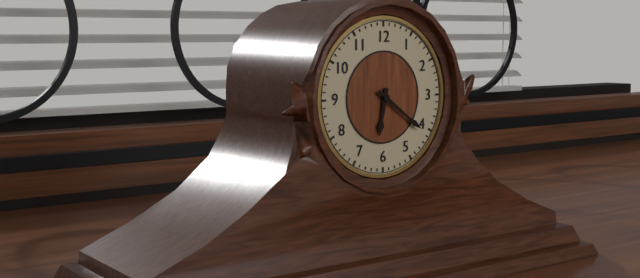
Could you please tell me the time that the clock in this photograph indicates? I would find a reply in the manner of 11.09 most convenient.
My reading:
6.21
